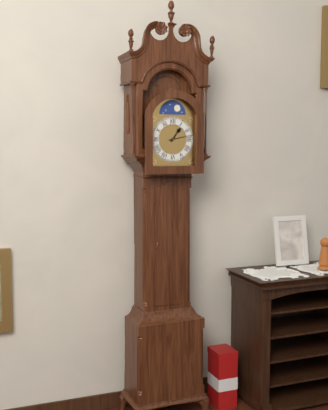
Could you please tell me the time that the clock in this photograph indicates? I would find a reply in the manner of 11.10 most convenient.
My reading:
1.13
